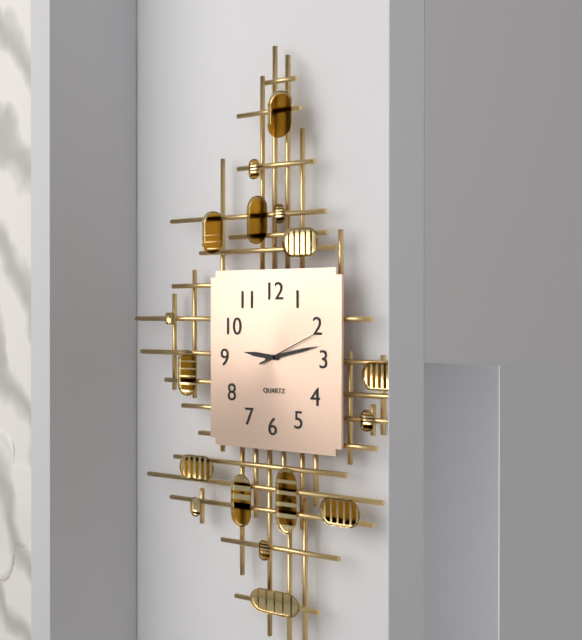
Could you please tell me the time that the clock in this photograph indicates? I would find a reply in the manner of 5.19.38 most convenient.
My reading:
9.13.11
